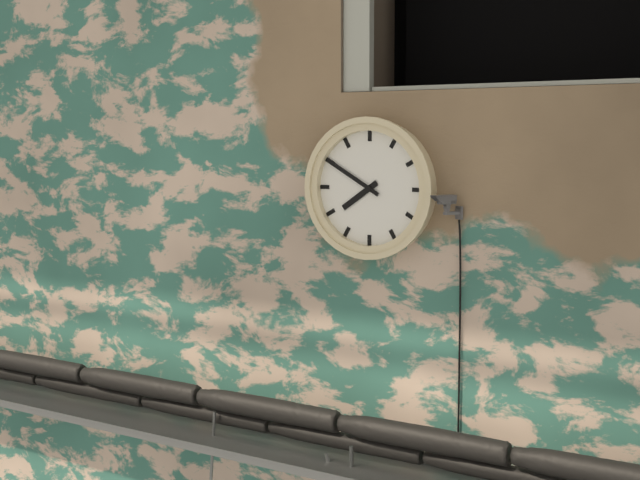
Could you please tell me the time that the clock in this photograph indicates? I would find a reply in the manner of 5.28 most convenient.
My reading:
7.50
